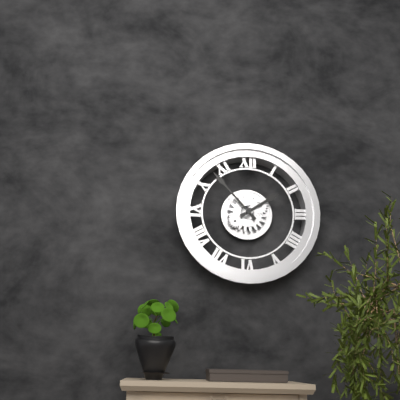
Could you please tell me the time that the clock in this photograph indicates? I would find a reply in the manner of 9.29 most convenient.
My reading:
1.53
